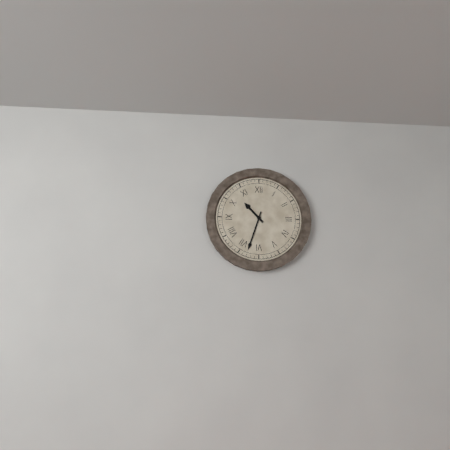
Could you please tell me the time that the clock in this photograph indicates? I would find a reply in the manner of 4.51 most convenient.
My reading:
10.33
